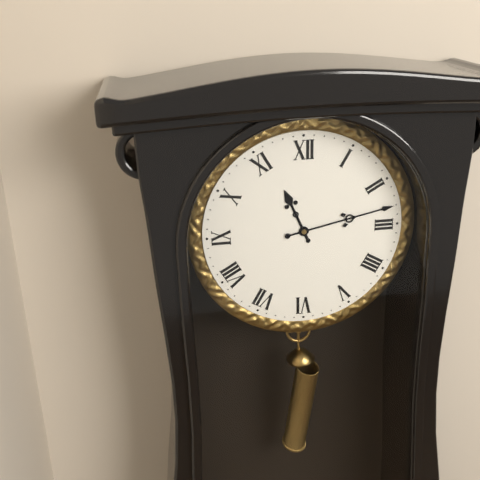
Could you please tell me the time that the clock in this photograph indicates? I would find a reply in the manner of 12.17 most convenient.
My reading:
11.13
